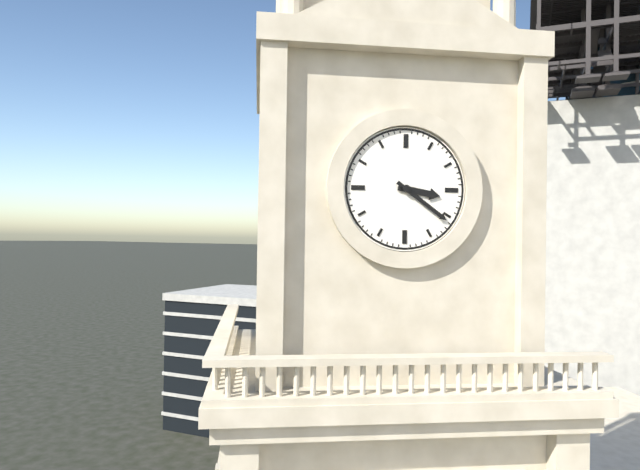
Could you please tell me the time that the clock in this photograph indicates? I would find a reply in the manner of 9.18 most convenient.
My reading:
3.21
